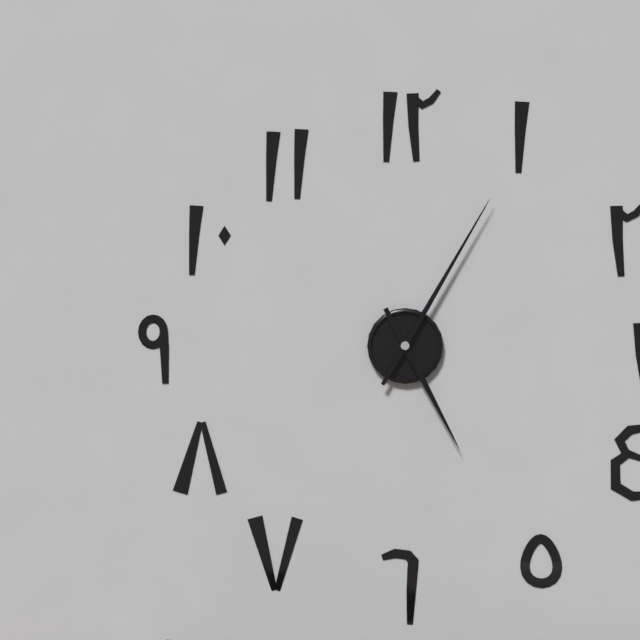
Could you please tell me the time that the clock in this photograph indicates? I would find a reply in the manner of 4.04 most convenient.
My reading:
5.05
